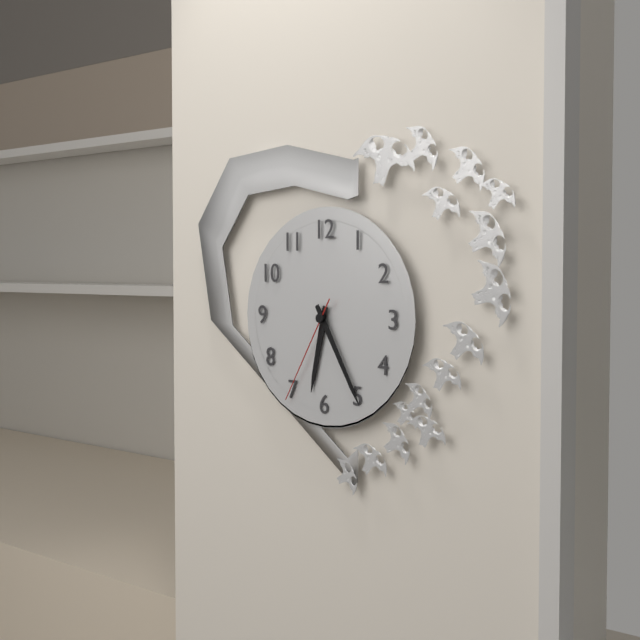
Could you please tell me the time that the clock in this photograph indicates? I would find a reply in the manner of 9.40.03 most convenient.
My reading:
6.25.35
